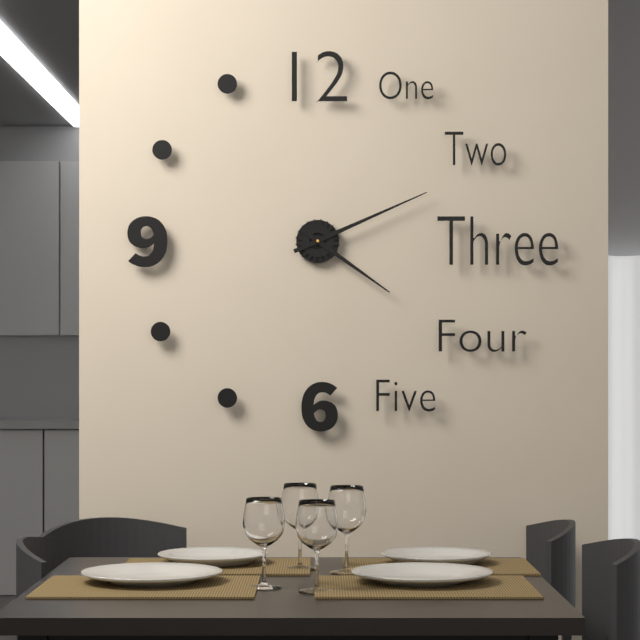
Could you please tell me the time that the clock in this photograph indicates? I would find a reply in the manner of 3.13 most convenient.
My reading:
4.11
